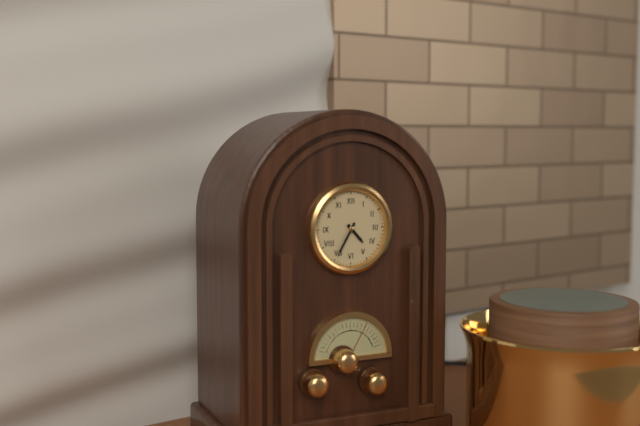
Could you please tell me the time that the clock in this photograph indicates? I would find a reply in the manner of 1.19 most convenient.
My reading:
4.35
